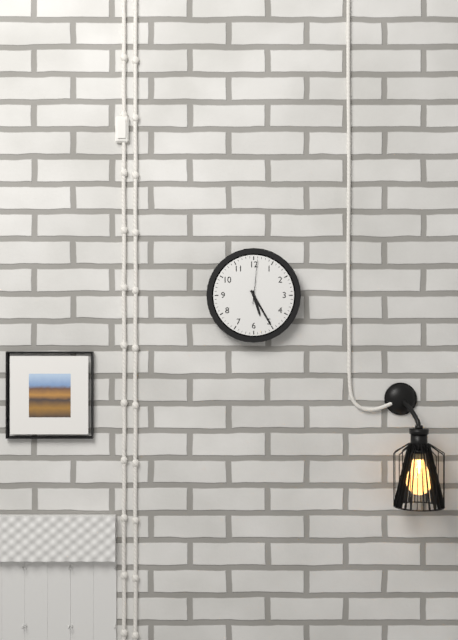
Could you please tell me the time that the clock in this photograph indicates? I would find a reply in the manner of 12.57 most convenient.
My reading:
5.25
